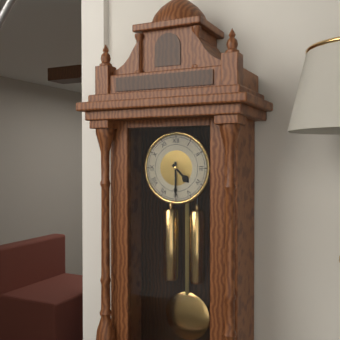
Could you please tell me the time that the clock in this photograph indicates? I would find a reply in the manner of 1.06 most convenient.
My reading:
4.30
